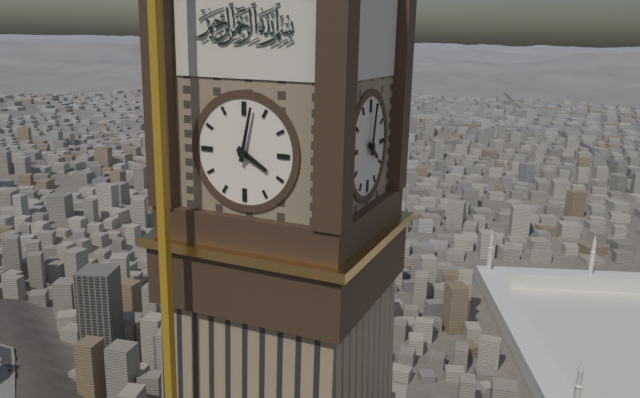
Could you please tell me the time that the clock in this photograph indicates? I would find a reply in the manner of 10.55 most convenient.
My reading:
4.02
